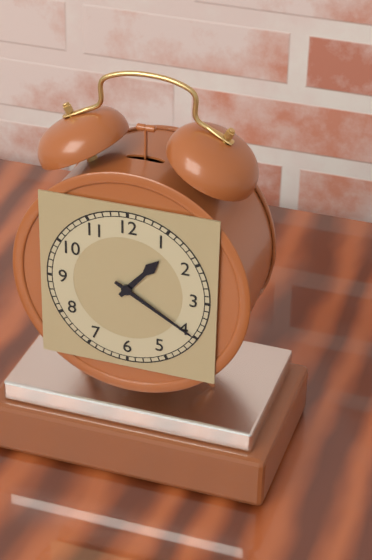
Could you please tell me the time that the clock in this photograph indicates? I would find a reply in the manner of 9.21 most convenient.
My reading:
1.20
